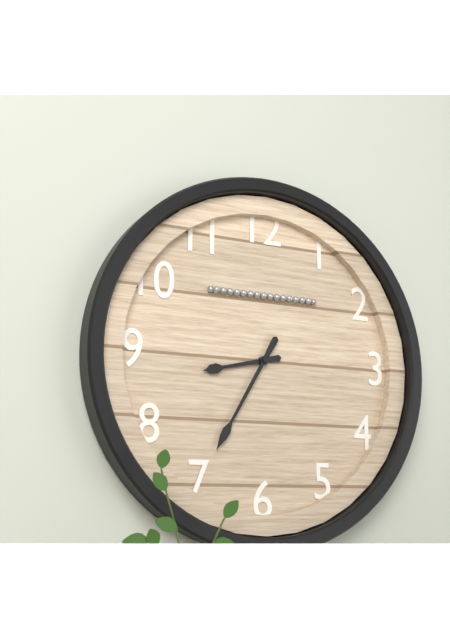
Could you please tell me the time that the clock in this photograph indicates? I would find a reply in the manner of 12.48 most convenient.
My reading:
8.35
